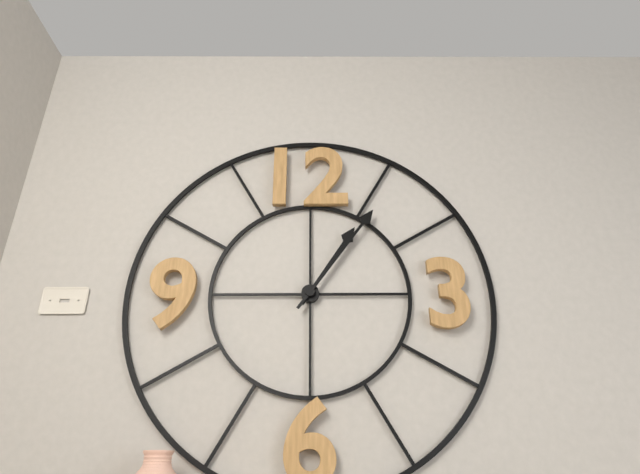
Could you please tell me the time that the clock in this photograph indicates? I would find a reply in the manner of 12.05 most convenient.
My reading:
1.06
